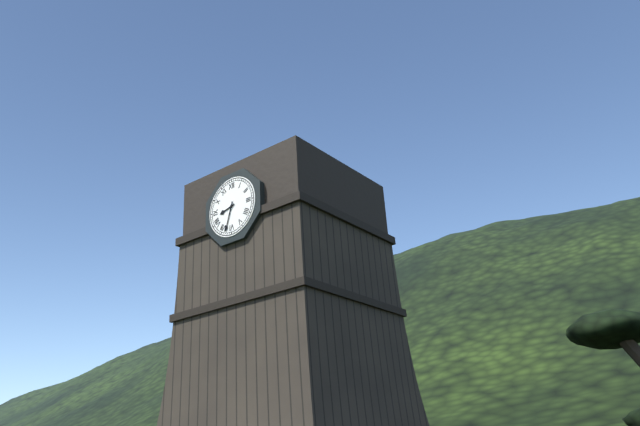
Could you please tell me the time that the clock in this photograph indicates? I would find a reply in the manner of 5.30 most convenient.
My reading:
8.33
